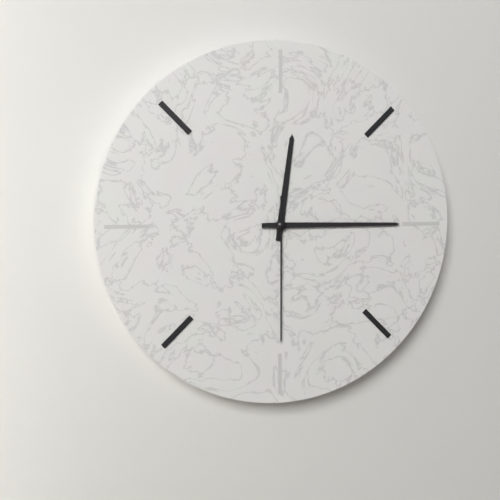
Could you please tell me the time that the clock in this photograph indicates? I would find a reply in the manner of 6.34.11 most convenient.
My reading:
12.15.30
